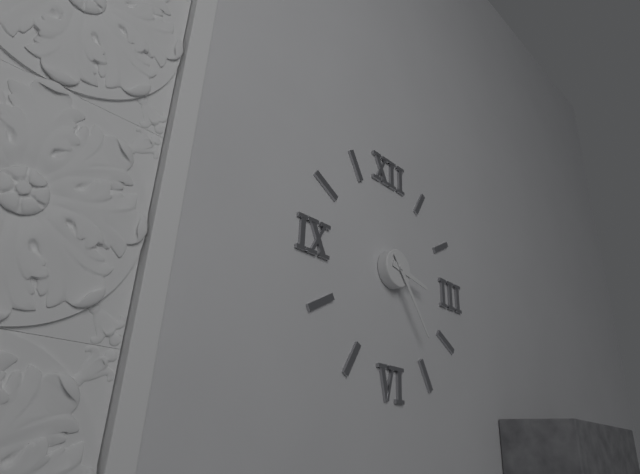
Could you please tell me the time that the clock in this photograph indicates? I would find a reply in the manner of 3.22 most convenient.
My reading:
3.24
